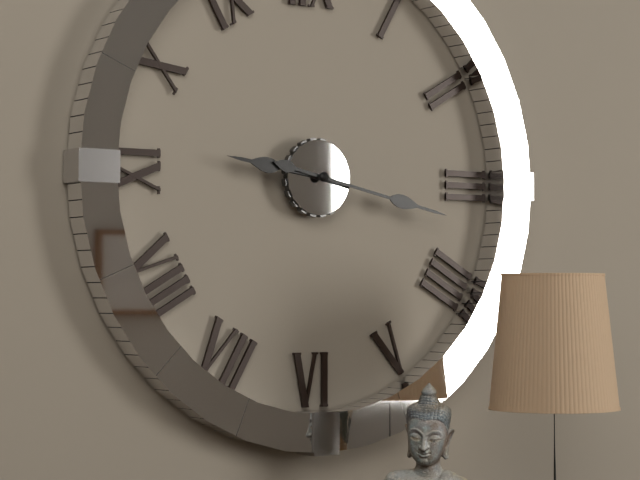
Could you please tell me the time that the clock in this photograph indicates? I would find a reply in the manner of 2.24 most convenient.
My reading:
9.17
